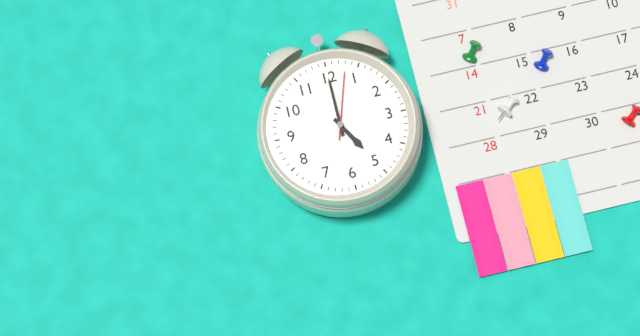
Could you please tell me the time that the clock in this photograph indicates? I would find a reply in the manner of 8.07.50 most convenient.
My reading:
5.00.03
